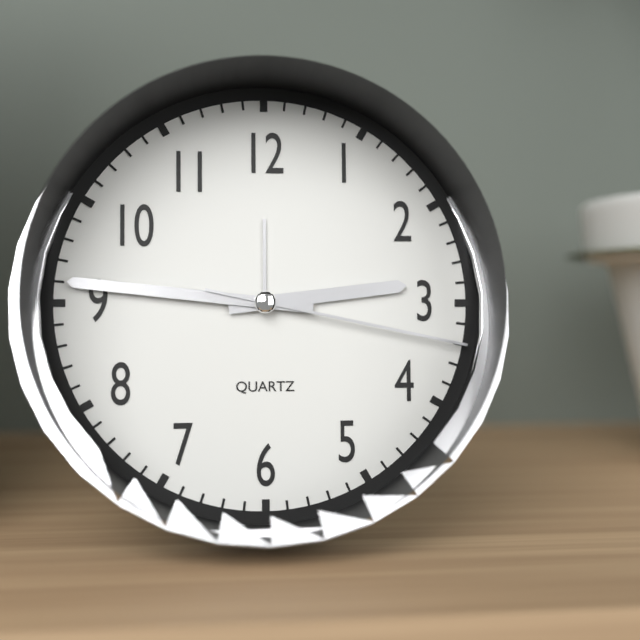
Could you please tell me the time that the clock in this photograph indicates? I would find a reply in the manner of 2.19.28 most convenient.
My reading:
2.46.17
